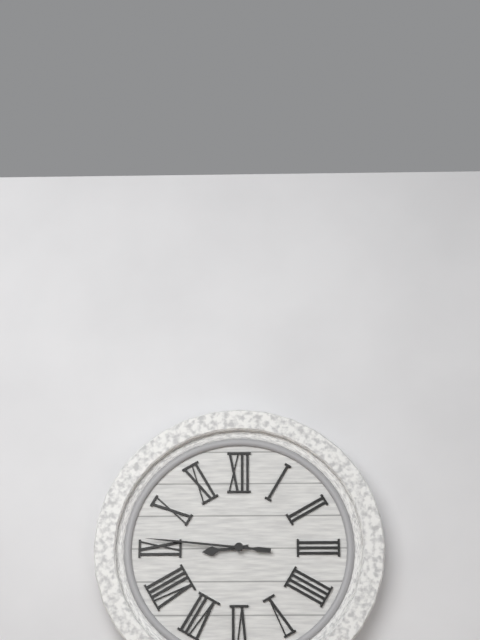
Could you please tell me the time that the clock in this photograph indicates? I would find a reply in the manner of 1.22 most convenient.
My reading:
8.46
